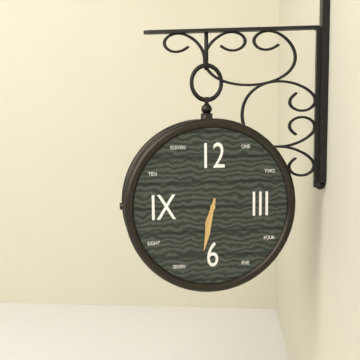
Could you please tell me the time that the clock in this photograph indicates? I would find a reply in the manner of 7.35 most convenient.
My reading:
6.32
